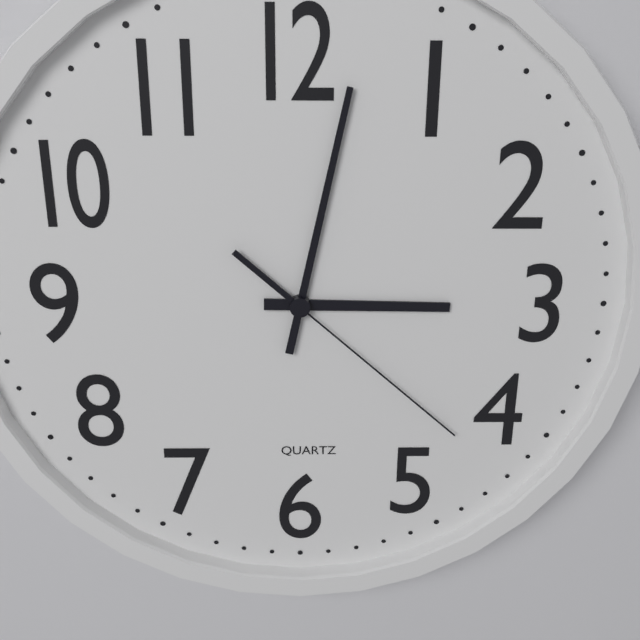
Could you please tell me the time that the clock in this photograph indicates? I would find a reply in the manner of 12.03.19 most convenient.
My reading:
3.02.22
